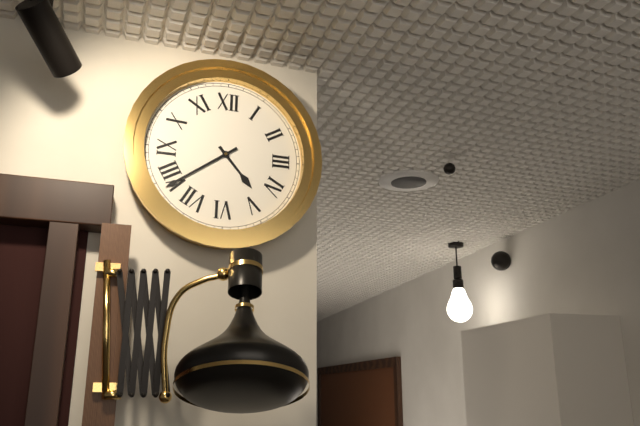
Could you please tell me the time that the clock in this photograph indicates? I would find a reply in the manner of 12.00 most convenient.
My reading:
4.39
